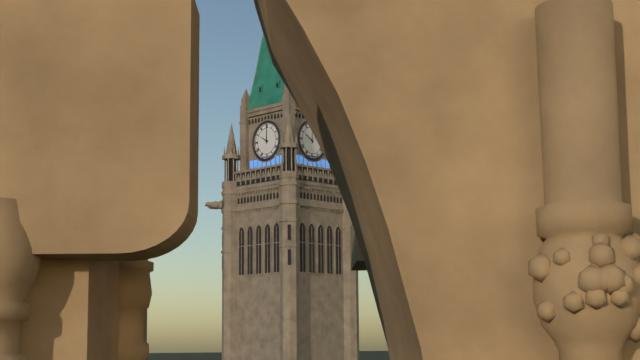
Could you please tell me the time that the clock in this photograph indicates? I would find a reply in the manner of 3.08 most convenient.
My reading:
10.00
